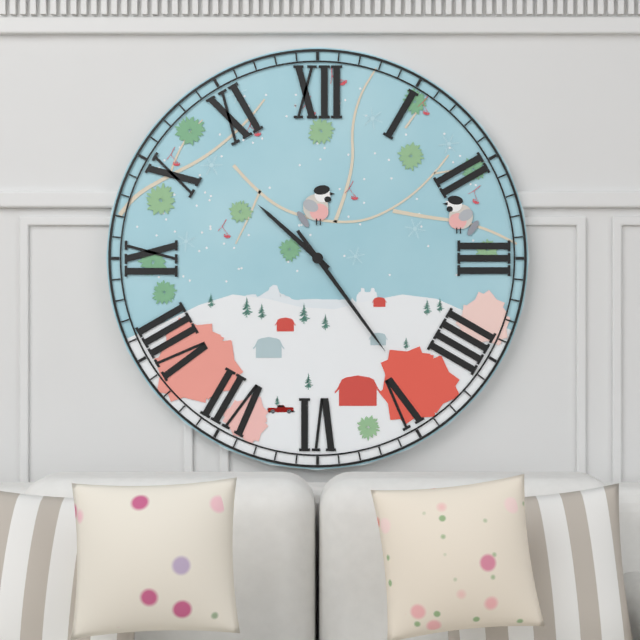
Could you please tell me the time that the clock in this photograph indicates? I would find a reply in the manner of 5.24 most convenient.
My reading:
10.24
